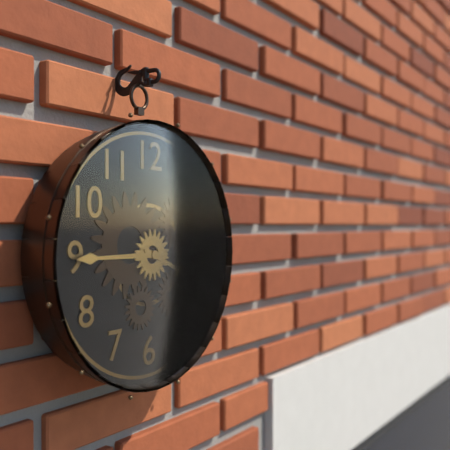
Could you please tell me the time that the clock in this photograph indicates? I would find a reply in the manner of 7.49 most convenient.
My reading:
3.45
